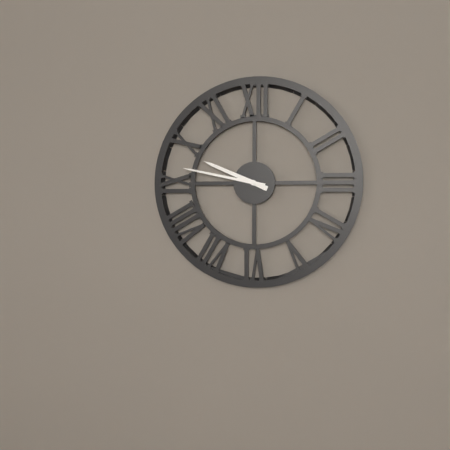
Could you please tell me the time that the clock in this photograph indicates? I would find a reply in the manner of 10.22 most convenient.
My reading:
9.47
